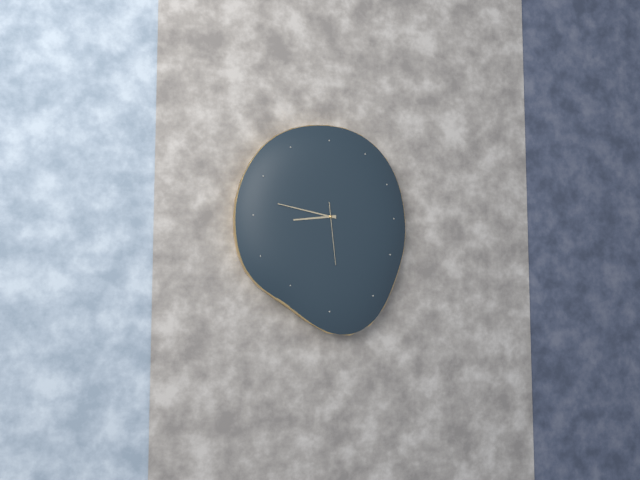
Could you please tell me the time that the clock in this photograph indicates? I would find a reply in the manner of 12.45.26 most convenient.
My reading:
8.47.29
